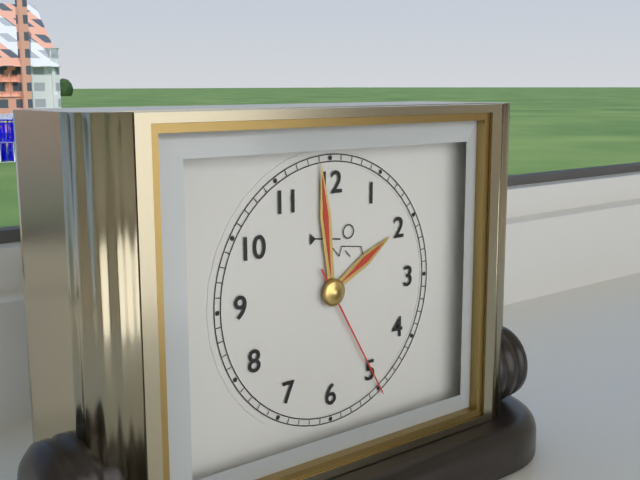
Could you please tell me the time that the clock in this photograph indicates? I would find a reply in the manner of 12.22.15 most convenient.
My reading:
1.59.25
